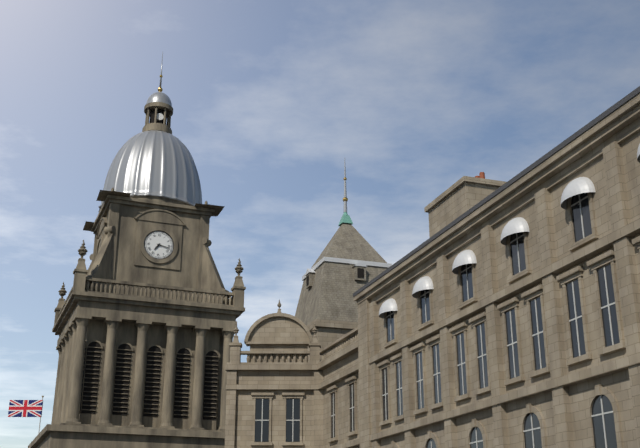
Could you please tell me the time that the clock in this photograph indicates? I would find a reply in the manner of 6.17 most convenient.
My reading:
7.17
